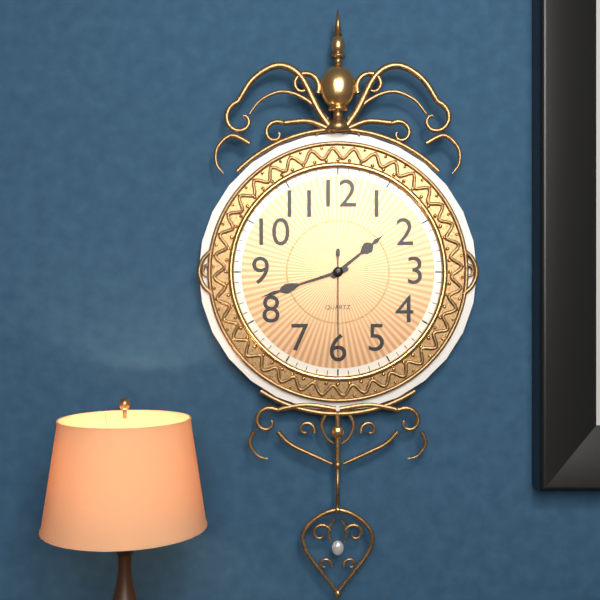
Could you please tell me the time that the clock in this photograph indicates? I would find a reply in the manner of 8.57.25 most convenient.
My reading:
1.42.30
